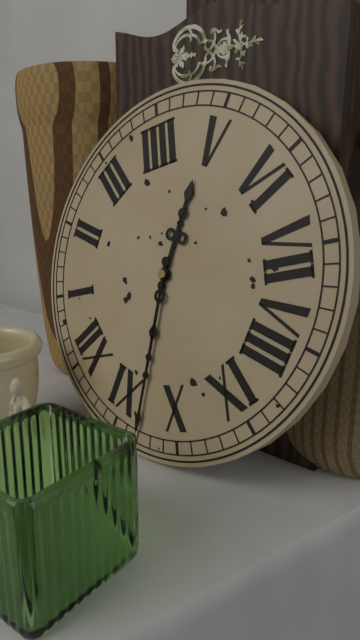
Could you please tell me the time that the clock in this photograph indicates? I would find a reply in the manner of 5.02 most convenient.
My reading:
4.53
